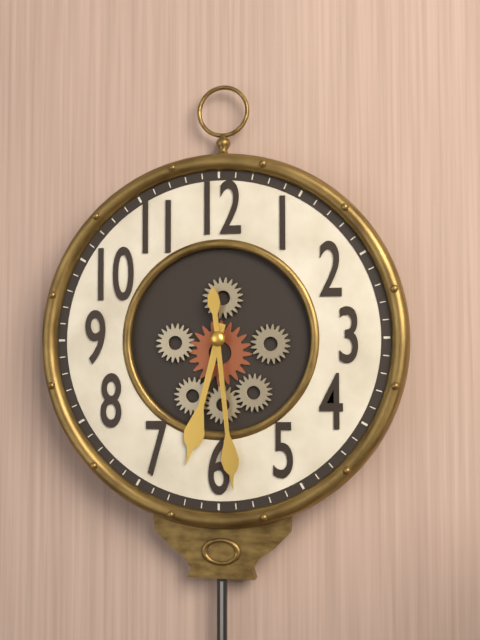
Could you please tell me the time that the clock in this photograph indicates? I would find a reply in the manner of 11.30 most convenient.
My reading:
6.29
